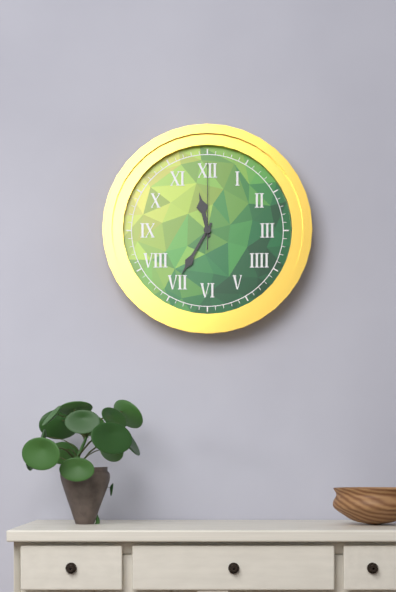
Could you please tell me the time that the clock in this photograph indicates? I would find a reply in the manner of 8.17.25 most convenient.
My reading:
11.35.00
